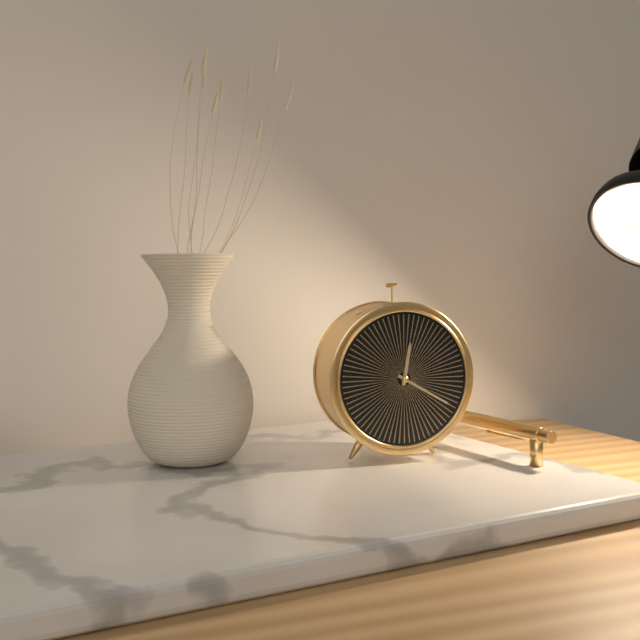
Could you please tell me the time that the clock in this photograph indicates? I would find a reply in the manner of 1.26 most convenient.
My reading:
12.20
